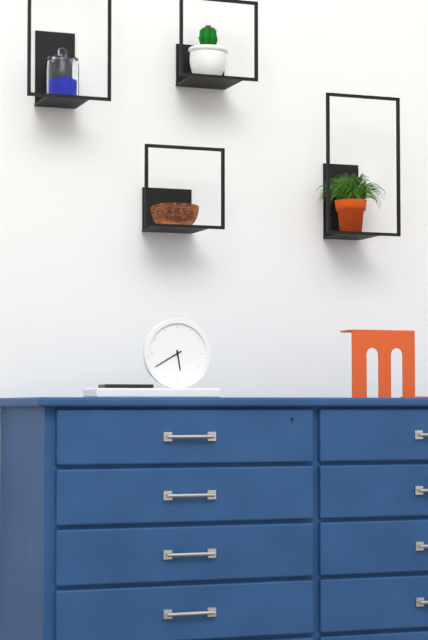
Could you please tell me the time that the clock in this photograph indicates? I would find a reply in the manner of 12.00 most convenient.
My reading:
5.40
